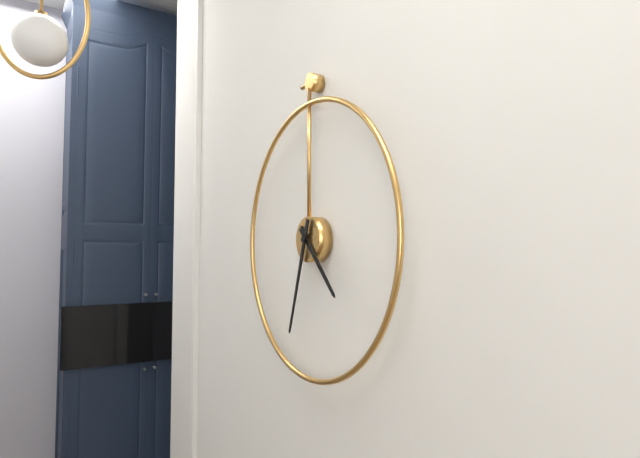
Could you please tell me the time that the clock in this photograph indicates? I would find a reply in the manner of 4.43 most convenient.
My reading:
4.33
